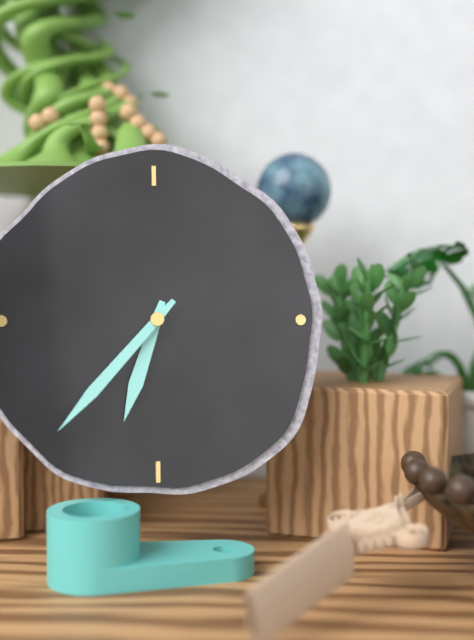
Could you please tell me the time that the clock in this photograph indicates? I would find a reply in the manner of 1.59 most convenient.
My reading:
6.37
